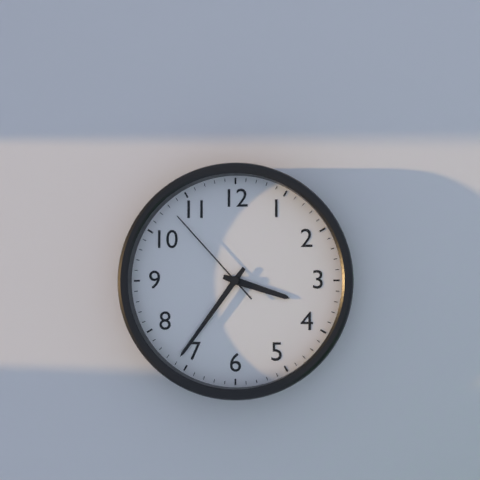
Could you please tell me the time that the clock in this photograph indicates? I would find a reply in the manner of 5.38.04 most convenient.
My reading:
3.36.53
